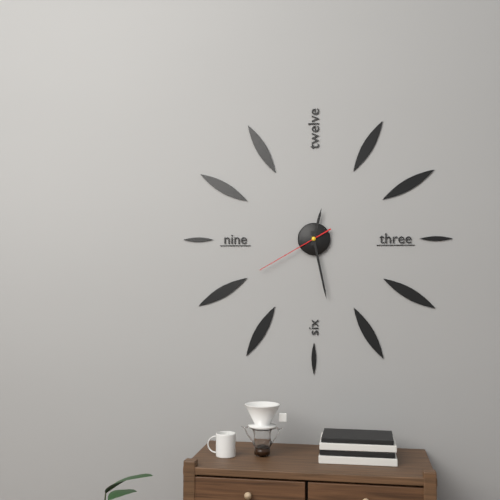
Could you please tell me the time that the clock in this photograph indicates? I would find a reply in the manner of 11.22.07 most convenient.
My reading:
12.28.40
